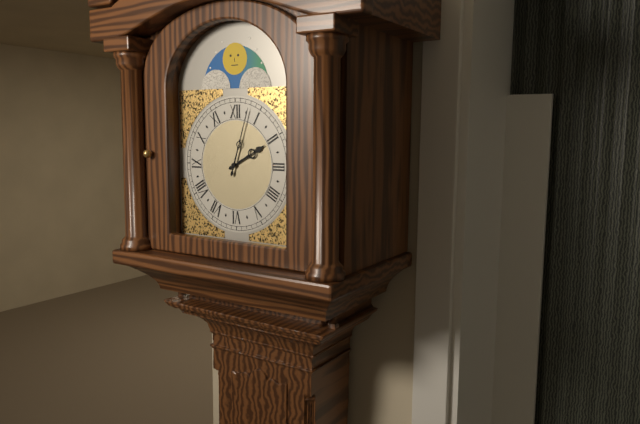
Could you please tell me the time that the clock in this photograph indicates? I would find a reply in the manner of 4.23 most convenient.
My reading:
2.03
